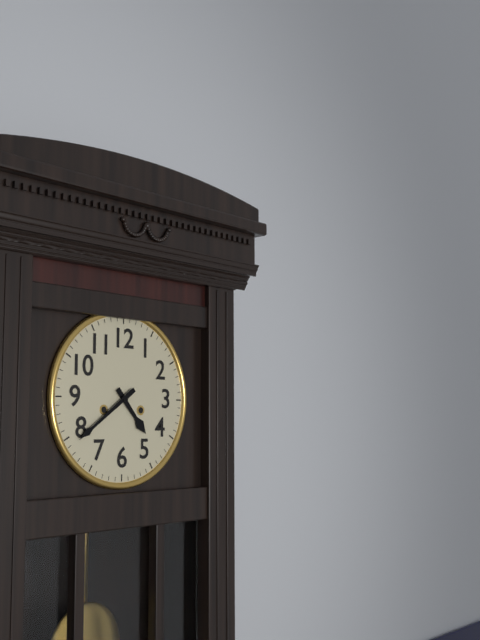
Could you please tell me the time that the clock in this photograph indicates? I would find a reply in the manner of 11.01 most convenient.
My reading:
4.39
